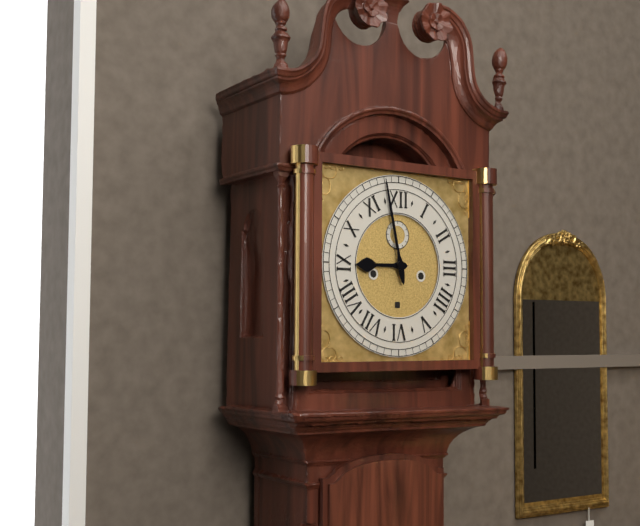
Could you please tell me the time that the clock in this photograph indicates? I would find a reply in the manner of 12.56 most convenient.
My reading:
8.58
